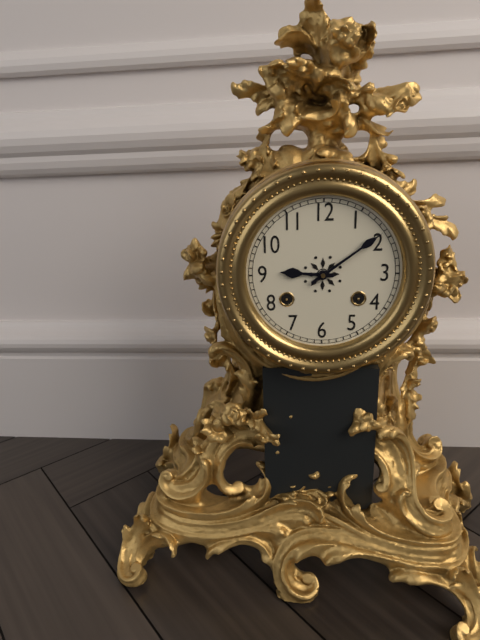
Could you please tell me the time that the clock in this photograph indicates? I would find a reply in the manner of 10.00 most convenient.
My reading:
9.09
